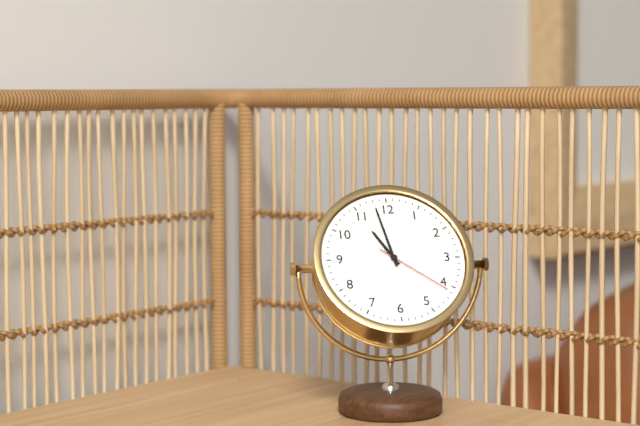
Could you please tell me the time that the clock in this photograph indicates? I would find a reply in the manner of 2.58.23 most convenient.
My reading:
10.58.21
